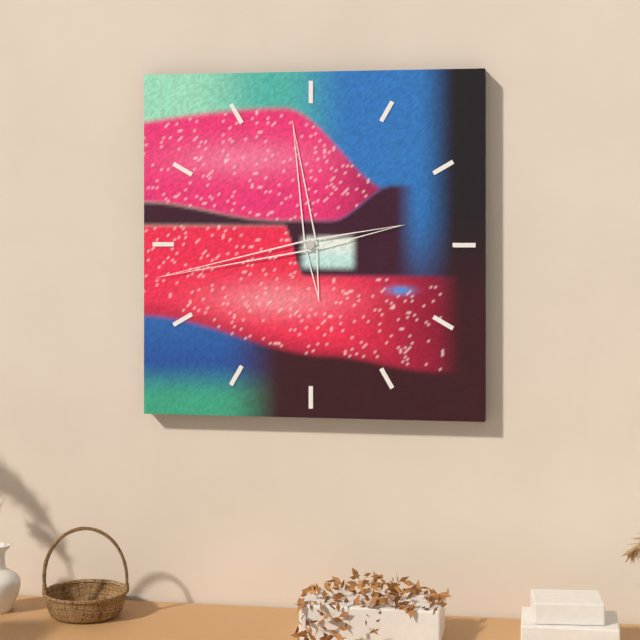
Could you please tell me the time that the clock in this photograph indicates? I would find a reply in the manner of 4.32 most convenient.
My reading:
11.43
